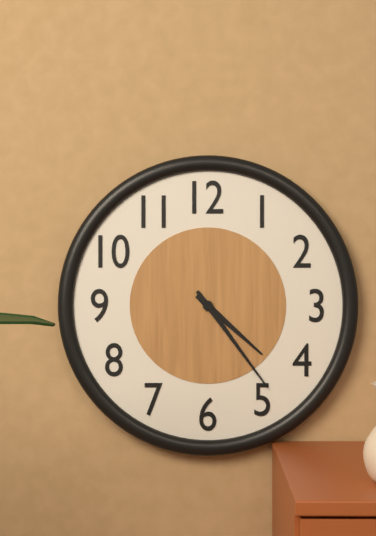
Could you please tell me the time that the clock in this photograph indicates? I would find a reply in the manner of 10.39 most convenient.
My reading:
4.24
